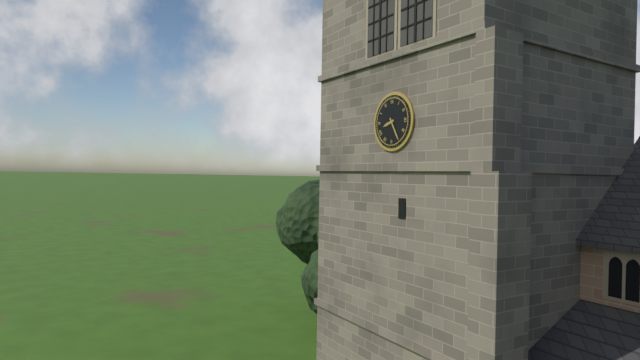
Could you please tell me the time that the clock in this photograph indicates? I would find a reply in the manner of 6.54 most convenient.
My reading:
8.25
